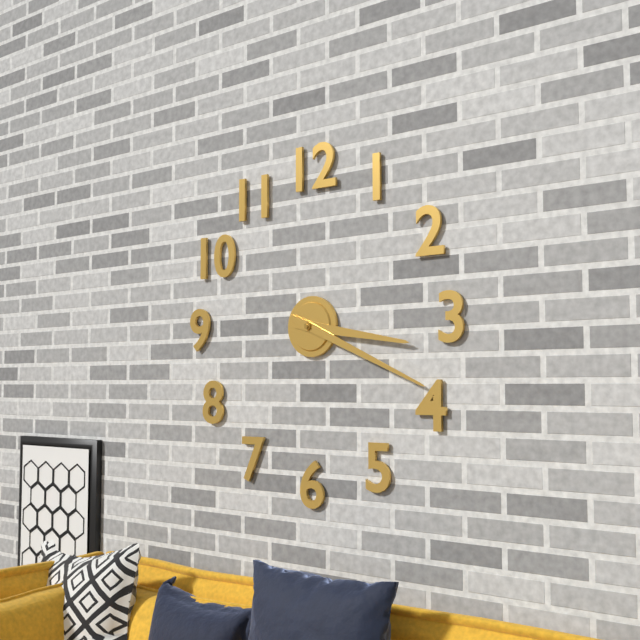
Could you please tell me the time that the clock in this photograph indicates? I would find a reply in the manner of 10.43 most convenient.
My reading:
3.19
